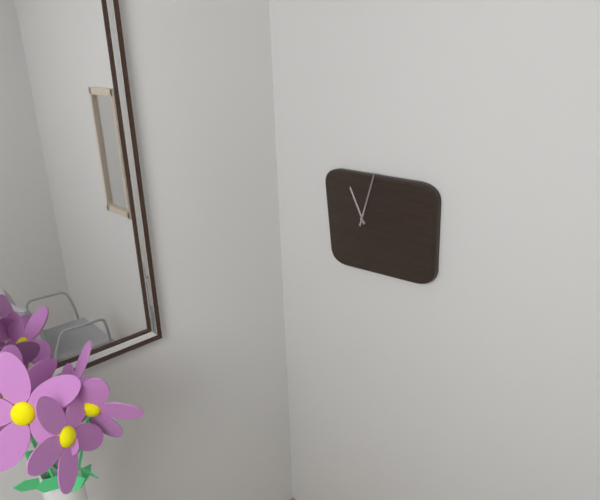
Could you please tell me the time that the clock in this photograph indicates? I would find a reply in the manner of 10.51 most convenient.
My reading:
11.03
